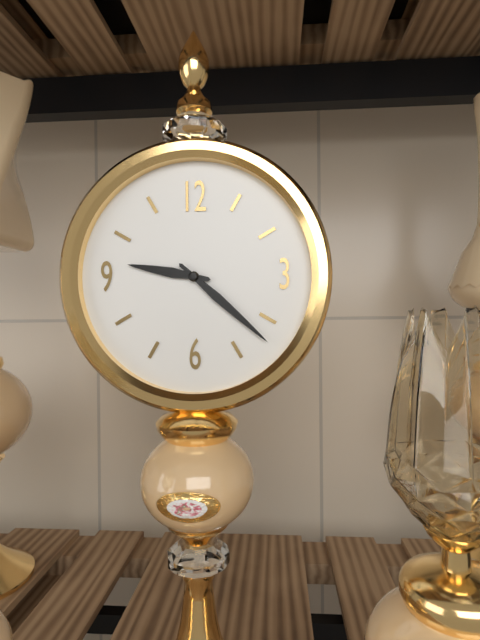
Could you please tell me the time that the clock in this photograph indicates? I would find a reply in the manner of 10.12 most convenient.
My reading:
9.22
